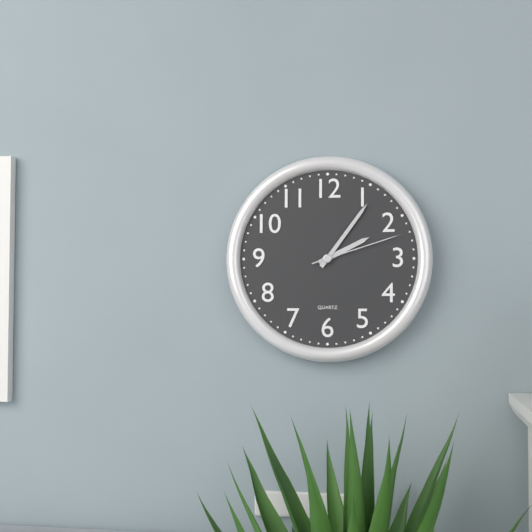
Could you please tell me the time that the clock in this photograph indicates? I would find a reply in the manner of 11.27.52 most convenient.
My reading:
2.06.12
